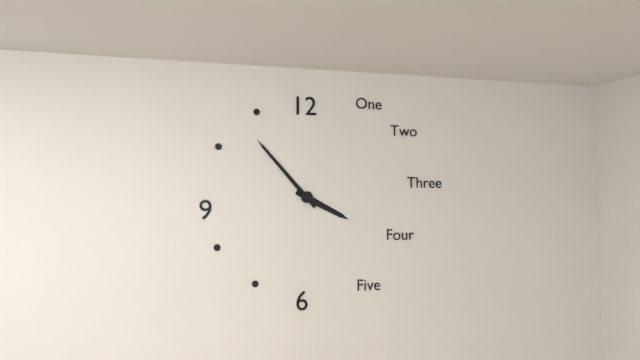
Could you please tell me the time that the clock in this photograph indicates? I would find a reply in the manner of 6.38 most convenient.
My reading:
3.53
